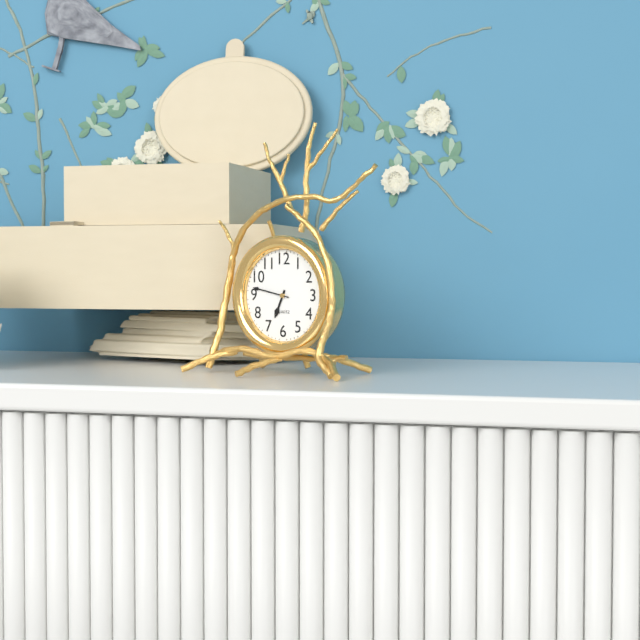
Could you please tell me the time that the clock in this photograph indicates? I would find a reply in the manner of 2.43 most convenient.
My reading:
6.47
